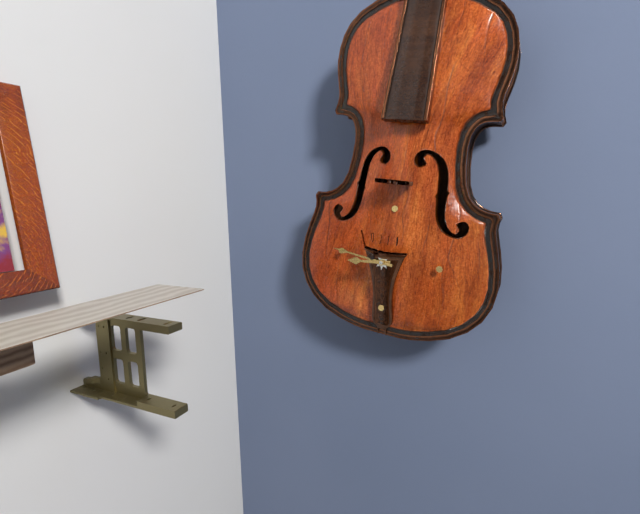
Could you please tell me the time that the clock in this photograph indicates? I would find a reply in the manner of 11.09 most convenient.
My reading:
8.46
